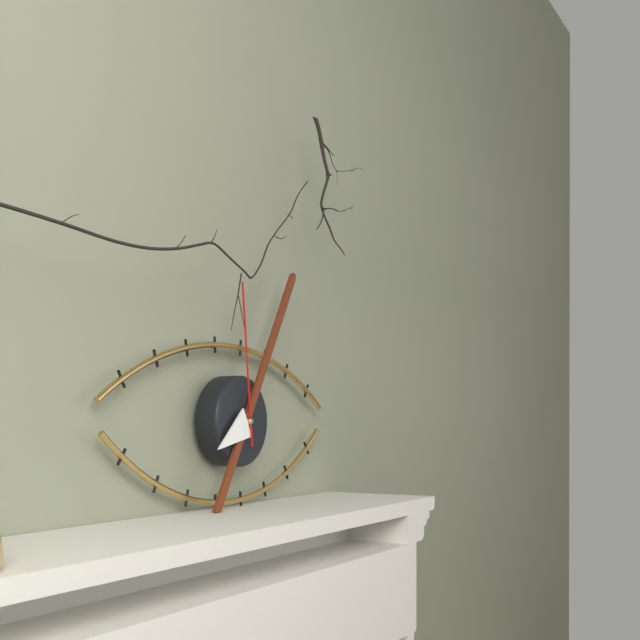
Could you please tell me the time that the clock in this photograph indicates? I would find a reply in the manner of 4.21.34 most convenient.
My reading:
8.05.59
